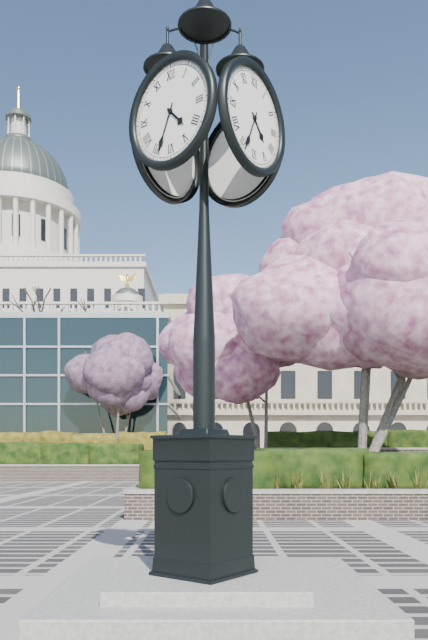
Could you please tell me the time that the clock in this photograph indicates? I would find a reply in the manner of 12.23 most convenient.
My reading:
4.34
